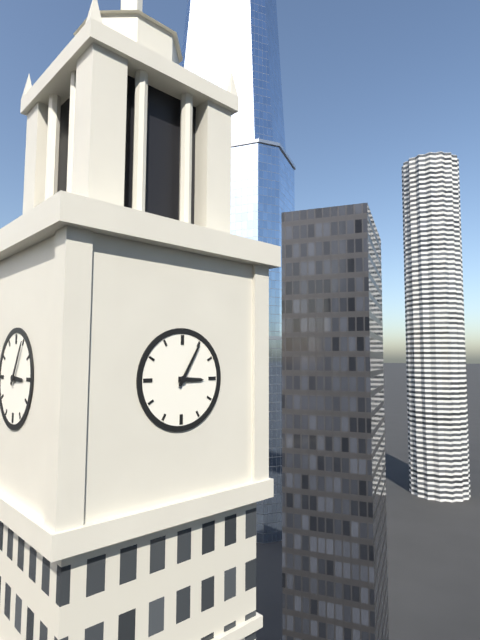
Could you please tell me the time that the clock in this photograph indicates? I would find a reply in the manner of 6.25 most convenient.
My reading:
3.05
